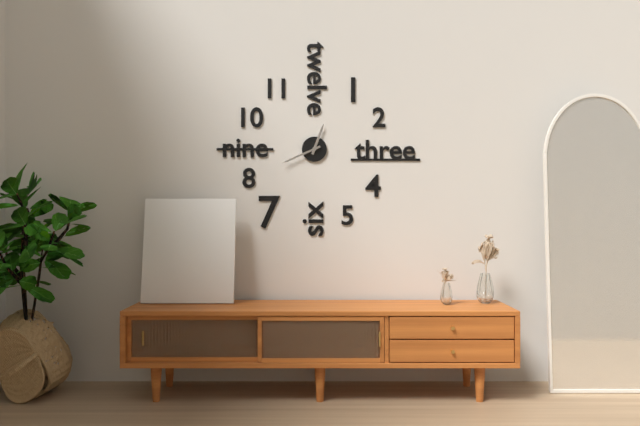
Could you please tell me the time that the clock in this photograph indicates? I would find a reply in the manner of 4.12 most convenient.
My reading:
12.41
